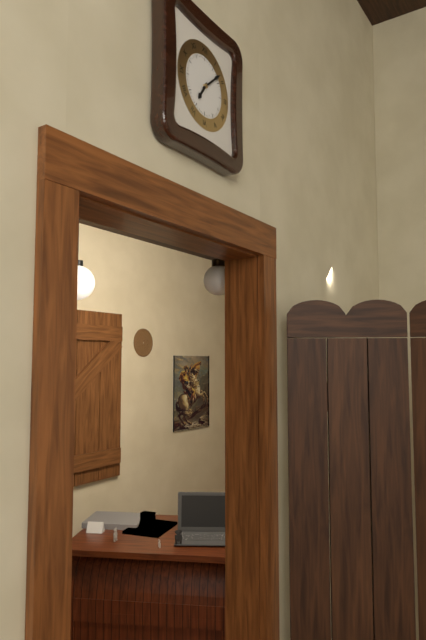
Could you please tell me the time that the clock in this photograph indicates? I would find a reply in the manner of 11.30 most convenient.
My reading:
7.08
